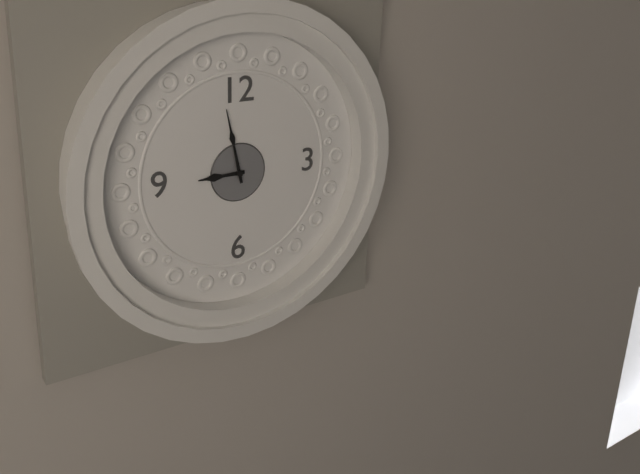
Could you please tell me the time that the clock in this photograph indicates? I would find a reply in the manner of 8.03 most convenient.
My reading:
8.58
